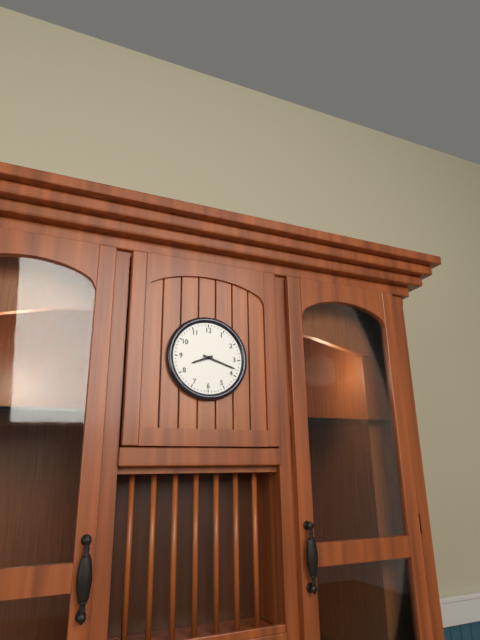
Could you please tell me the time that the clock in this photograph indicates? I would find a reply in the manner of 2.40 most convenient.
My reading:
8.18
